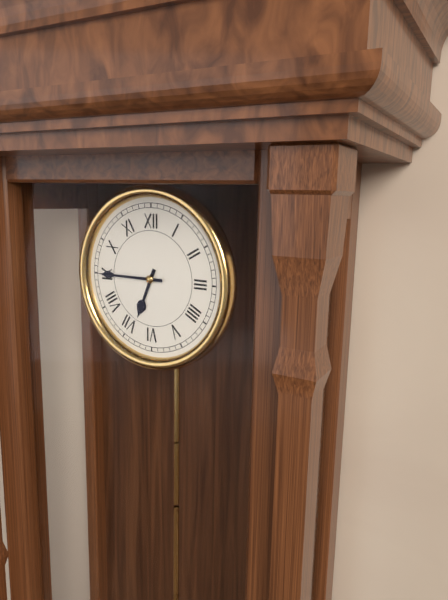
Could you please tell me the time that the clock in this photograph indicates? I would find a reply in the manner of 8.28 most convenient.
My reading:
6.45
